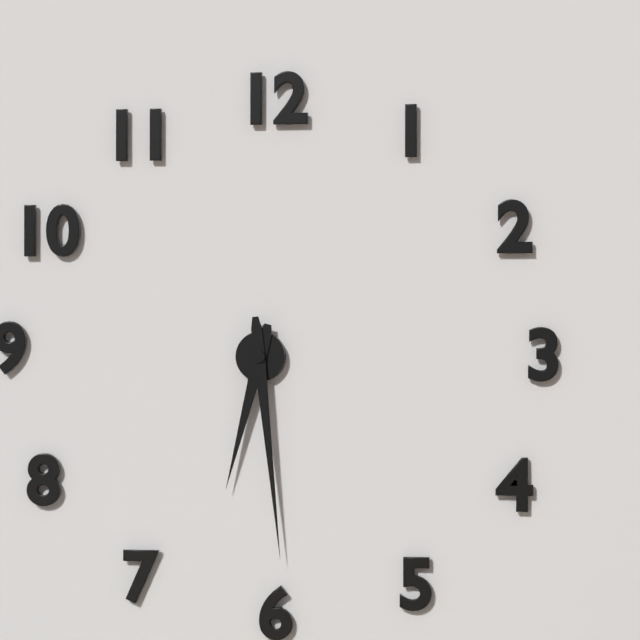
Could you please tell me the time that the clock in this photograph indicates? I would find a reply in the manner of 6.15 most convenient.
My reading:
6.29
